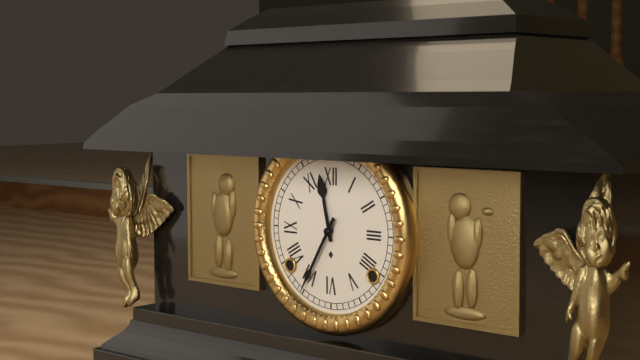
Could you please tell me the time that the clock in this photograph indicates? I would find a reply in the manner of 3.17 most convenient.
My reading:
11.35
